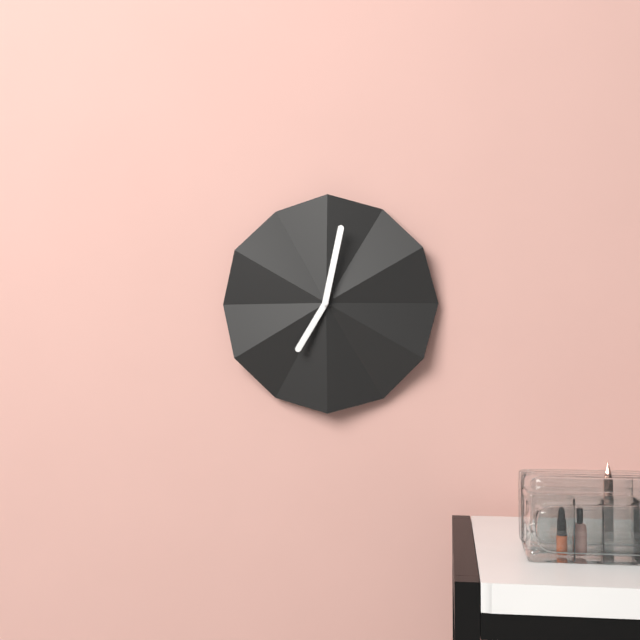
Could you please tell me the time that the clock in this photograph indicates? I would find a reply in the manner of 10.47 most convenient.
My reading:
7.02
